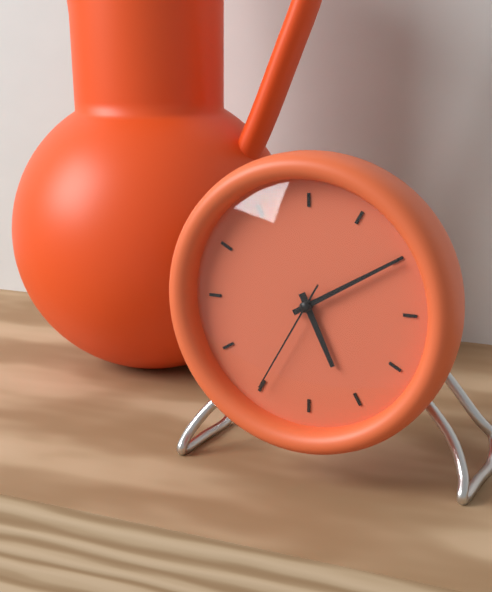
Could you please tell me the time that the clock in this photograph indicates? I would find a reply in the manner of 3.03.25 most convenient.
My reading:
5.10.35
